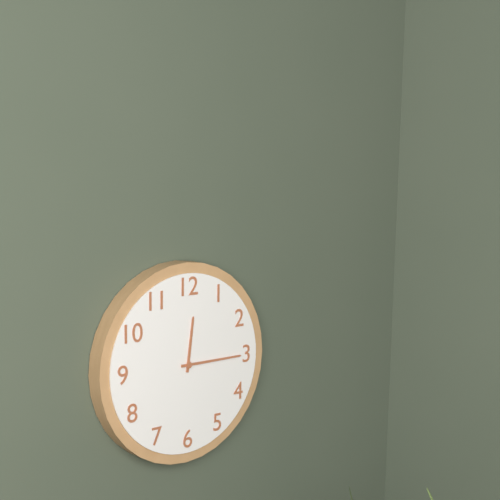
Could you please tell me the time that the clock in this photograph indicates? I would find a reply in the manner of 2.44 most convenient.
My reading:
12.15
